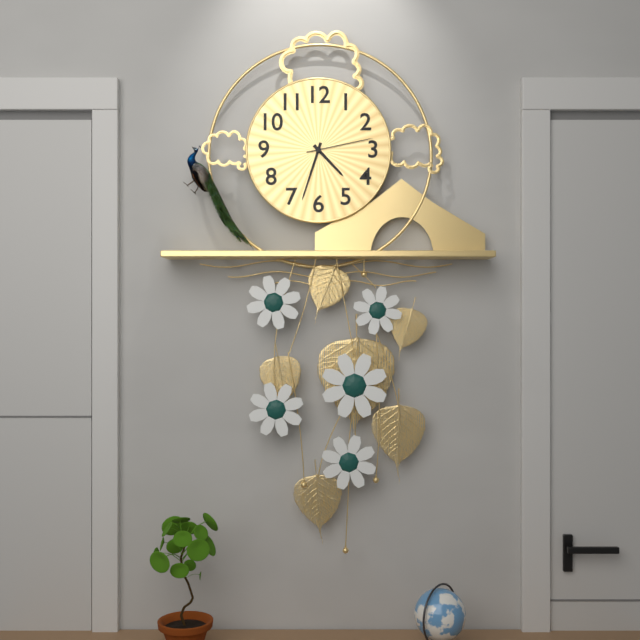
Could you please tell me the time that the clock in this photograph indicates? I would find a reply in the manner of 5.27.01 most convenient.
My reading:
4.33.13
